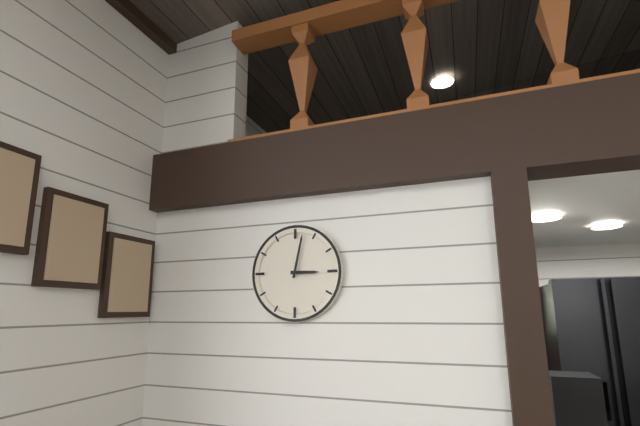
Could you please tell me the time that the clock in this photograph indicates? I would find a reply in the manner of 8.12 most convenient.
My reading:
3.02
